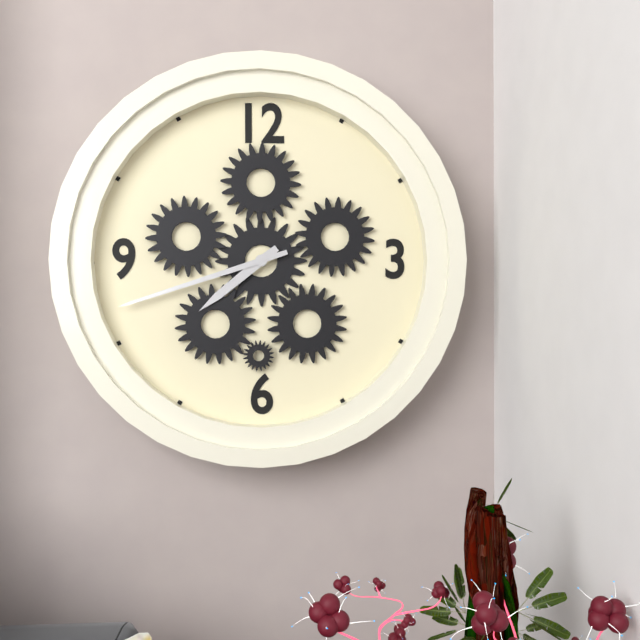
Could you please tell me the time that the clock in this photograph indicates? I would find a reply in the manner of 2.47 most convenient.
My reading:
7.42
